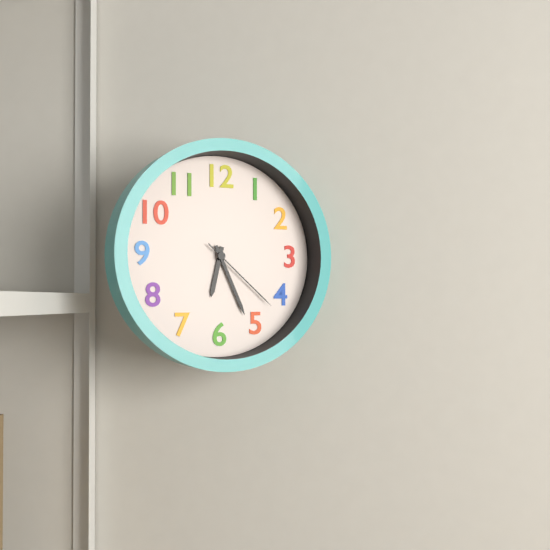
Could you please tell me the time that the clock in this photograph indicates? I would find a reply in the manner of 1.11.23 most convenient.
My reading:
6.26.22
